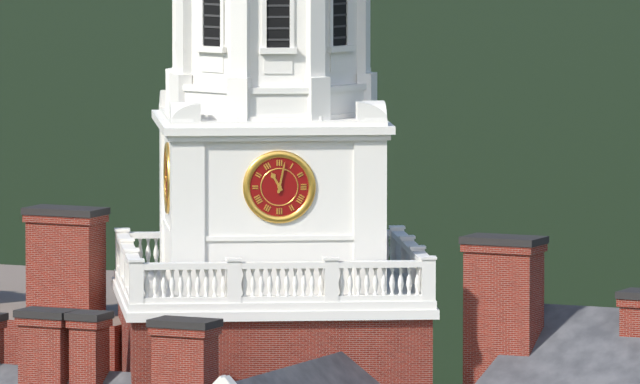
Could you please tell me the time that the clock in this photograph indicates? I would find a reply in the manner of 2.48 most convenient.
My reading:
11.02
